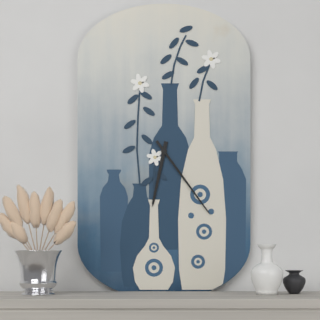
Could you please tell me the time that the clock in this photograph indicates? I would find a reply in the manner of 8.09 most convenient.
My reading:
6.24
